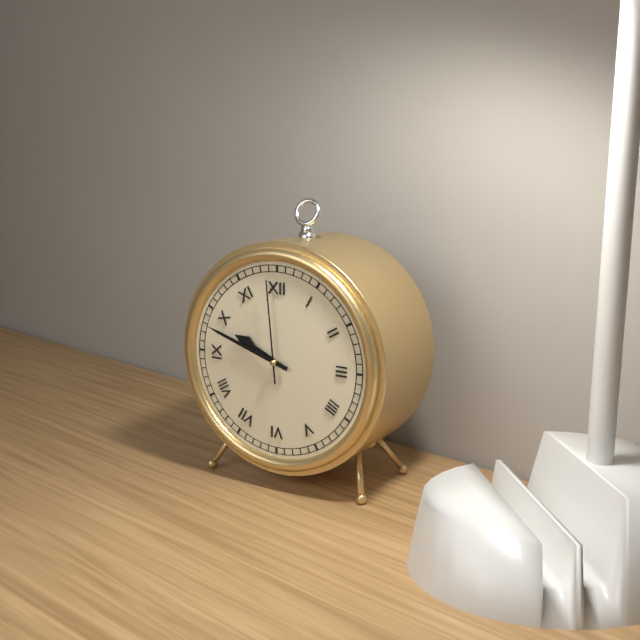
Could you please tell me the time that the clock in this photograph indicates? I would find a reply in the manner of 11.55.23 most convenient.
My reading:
9.48.59
